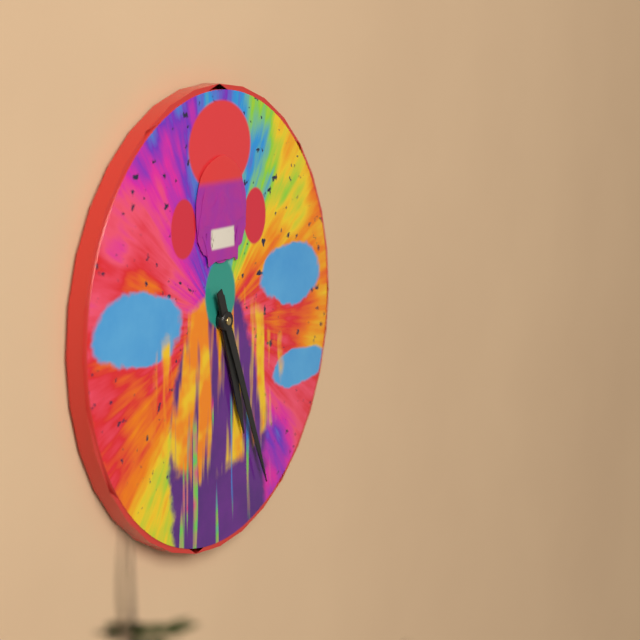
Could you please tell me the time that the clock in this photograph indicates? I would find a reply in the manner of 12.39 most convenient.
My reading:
5.26
